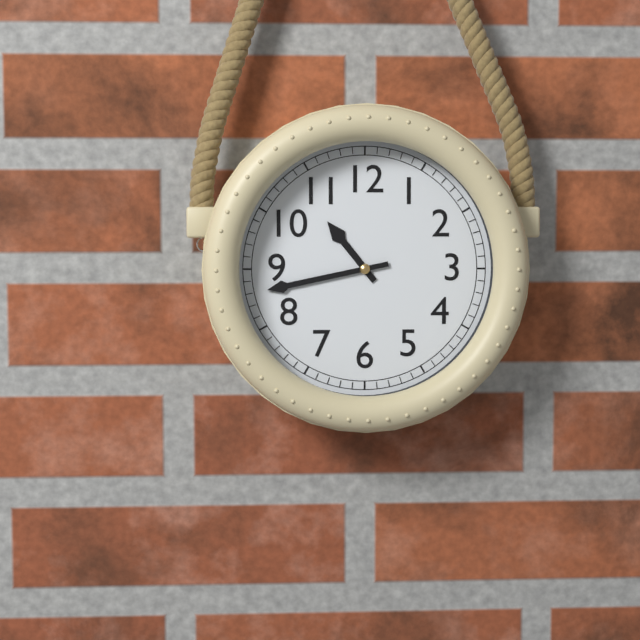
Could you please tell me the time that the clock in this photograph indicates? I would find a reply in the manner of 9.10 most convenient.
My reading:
10.43
